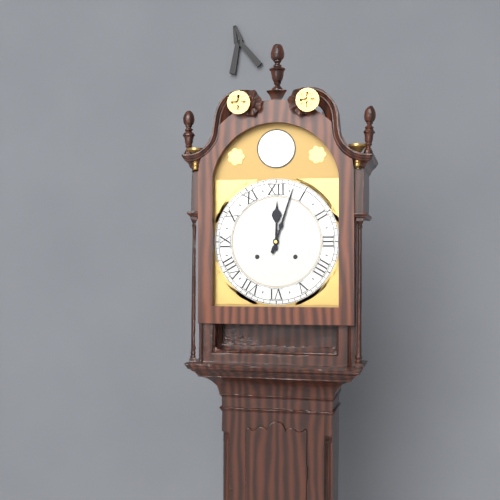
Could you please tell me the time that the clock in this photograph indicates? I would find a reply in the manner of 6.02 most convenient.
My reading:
12.03
